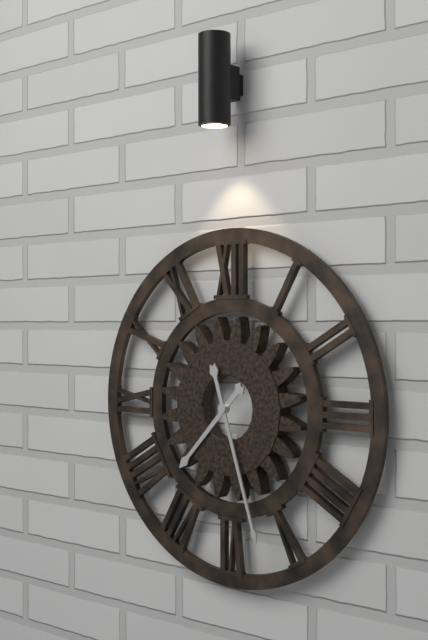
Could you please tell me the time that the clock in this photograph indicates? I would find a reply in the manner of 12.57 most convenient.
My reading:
7.27
